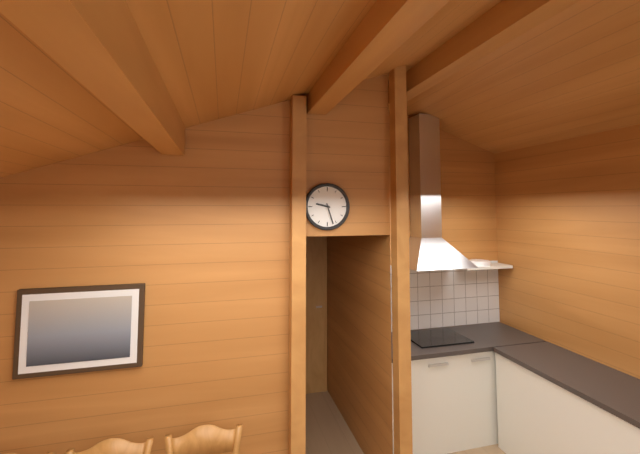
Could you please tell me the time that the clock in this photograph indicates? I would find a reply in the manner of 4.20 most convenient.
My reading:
9.27
